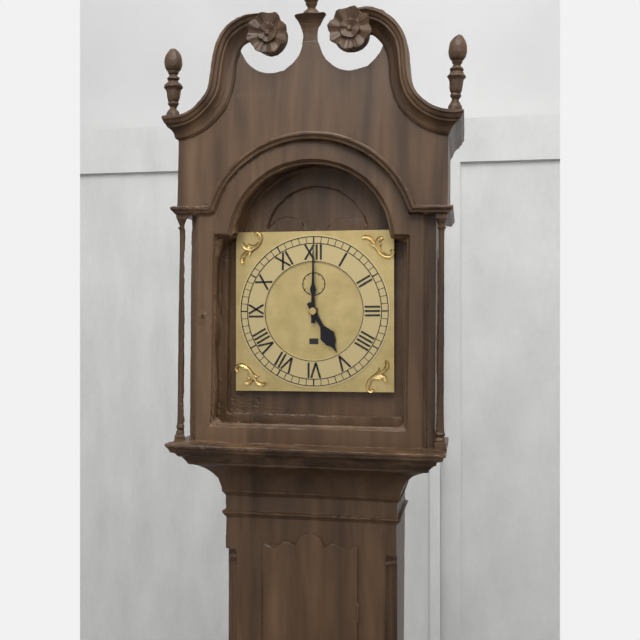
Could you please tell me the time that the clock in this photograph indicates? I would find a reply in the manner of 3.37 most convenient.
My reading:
5.00
